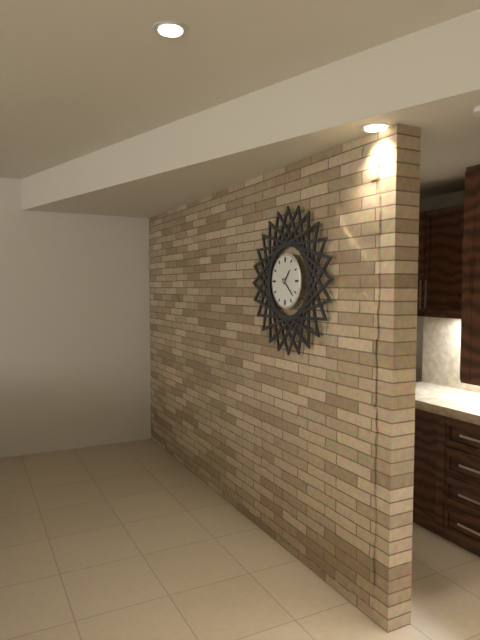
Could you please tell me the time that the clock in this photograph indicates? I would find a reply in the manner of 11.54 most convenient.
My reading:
1.22
